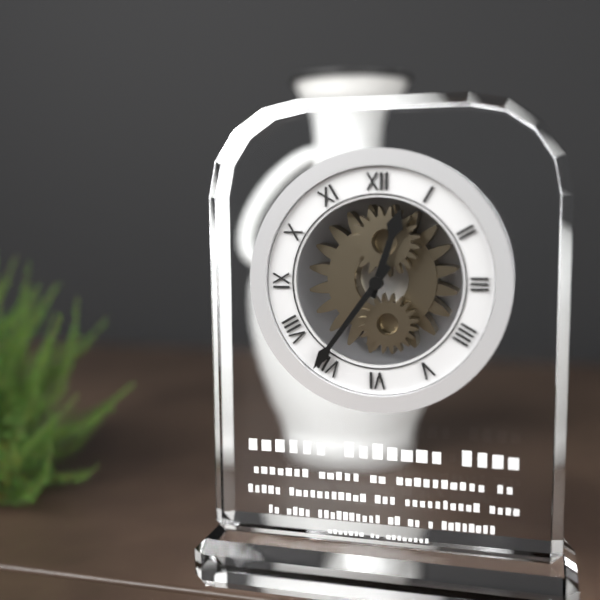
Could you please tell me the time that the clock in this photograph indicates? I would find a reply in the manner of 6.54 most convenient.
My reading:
12.36
